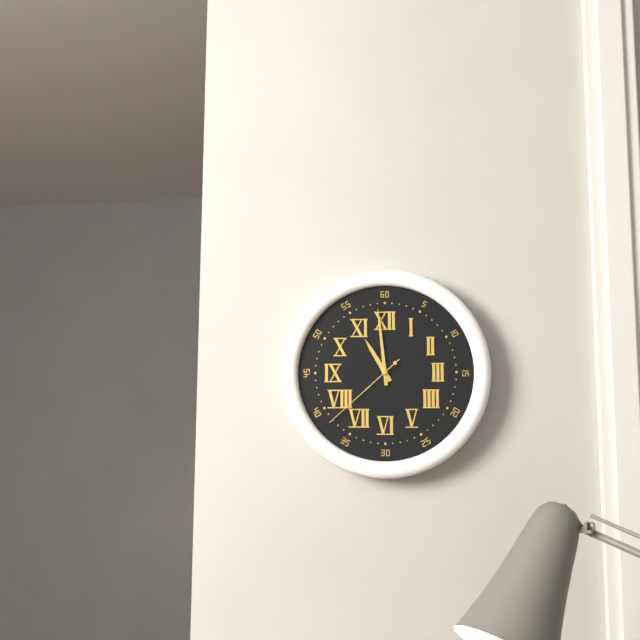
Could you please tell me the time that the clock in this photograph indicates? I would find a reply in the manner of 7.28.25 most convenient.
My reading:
10.59.38
